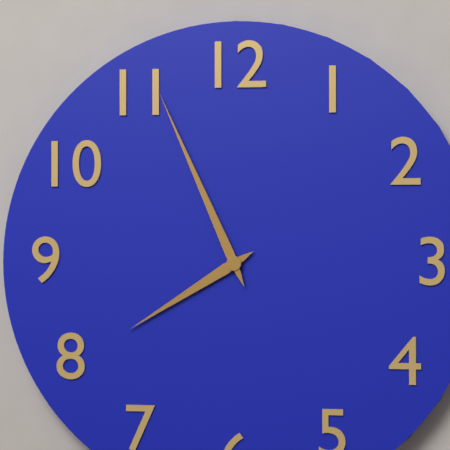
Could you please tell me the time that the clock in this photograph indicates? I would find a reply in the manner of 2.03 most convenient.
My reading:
7.56
